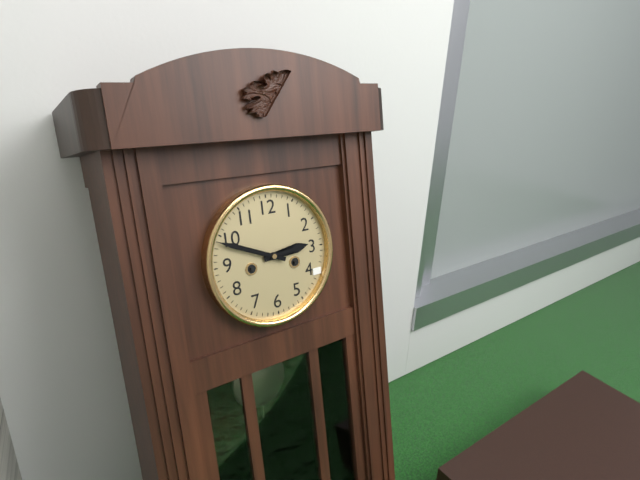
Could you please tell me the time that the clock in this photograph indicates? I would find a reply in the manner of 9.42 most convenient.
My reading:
2.49
